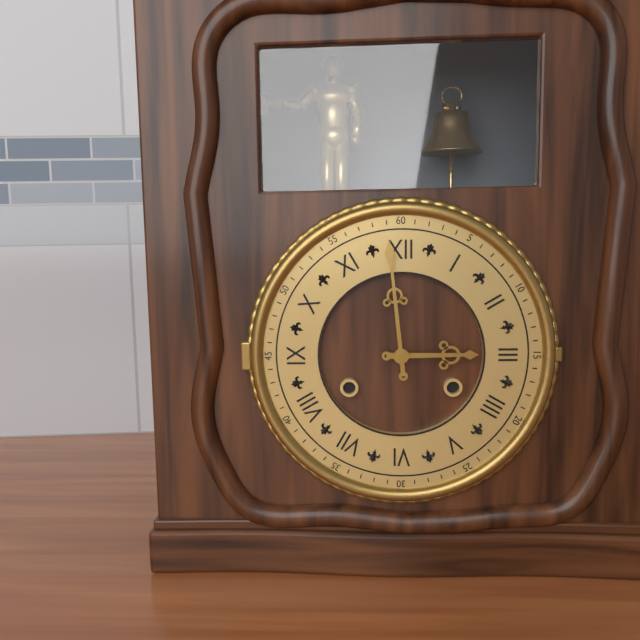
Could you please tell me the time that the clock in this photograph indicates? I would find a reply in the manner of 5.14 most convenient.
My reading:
2.59
